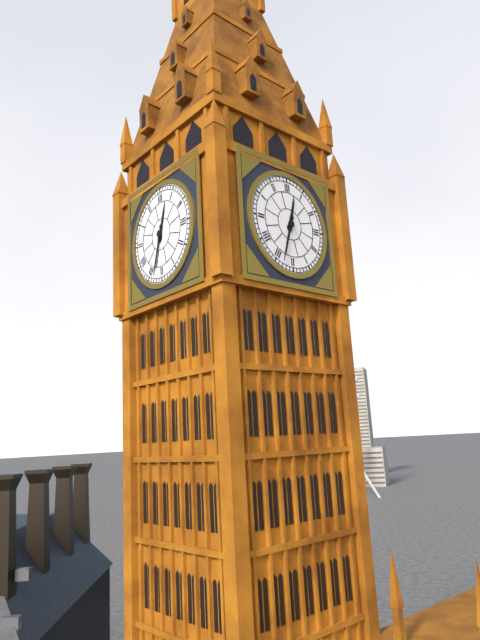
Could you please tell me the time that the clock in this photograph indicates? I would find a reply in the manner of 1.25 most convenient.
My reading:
12.33
